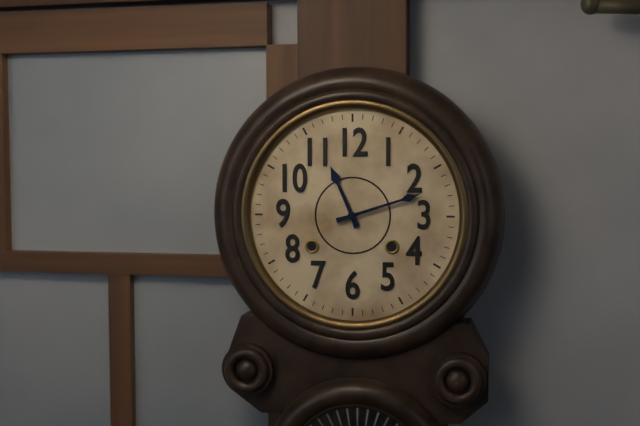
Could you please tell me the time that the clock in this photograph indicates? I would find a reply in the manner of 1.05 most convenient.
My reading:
11.12
